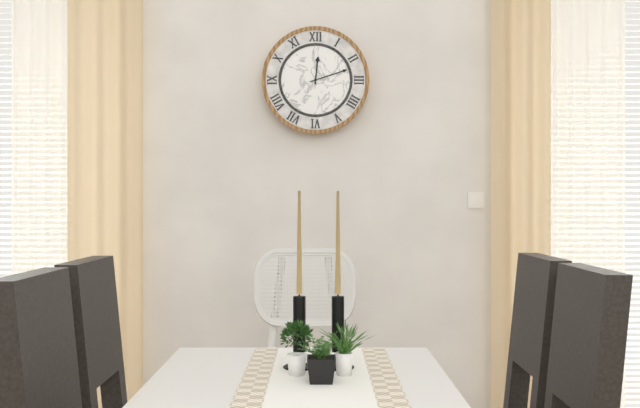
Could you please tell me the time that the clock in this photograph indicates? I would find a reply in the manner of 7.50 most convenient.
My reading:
12.12
